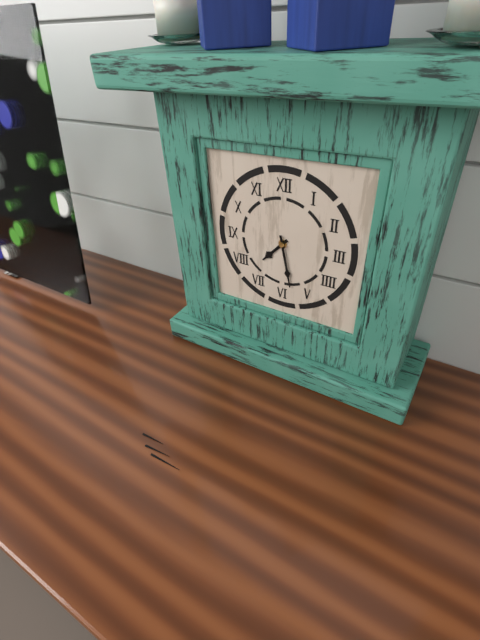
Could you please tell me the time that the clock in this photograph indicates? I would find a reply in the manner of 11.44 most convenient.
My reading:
7.28
